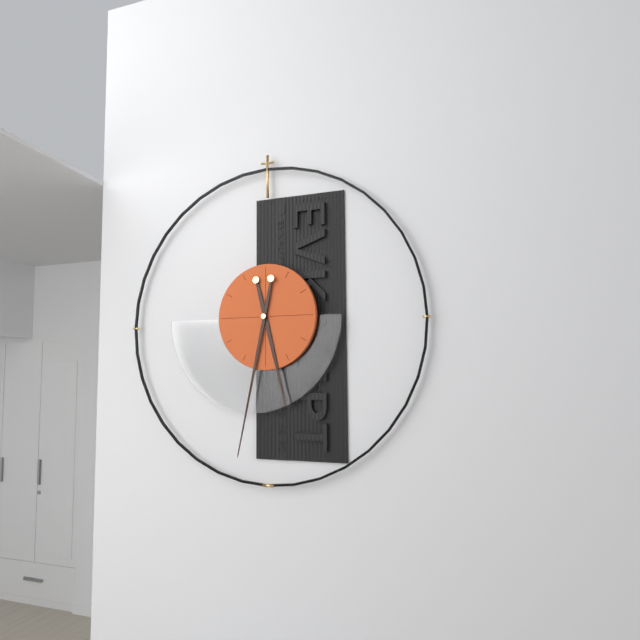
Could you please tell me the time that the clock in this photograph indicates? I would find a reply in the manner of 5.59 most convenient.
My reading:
5.32
